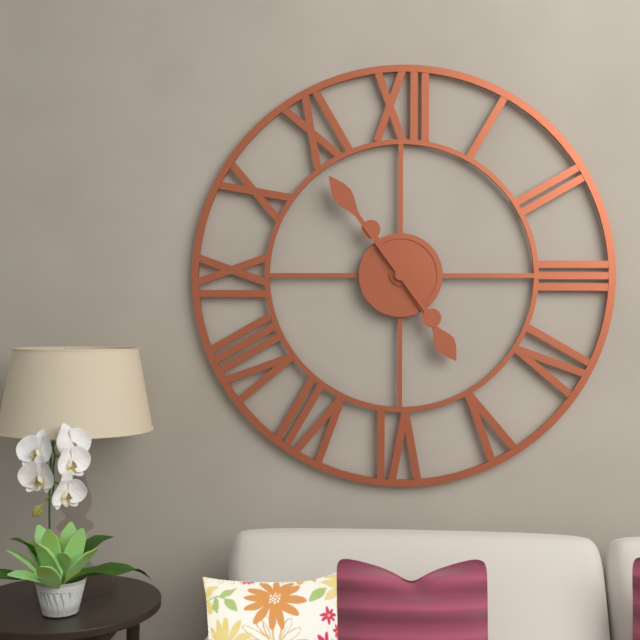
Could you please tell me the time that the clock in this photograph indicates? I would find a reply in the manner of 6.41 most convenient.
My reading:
4.54
